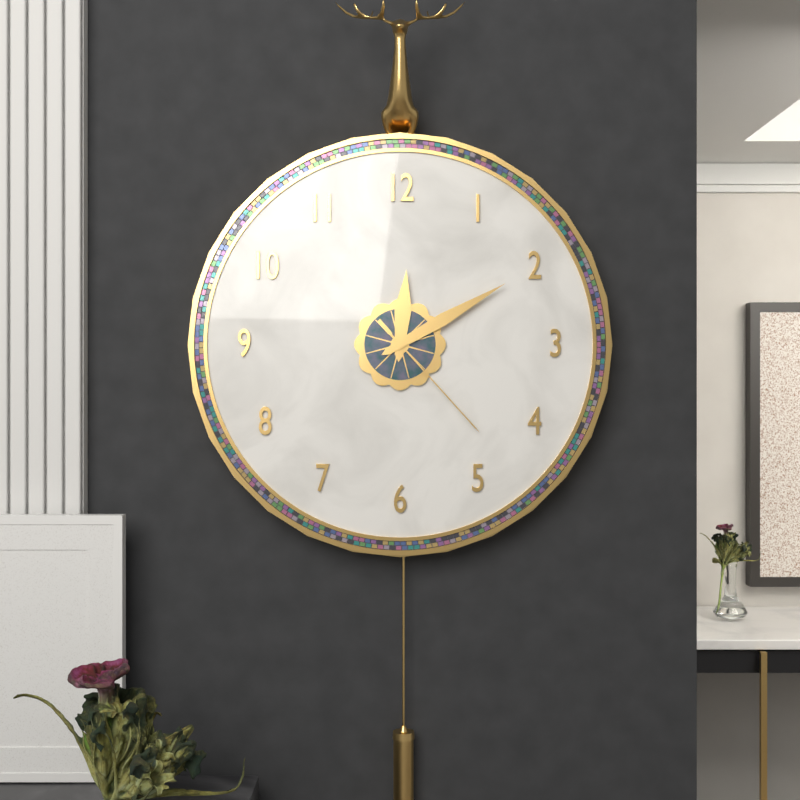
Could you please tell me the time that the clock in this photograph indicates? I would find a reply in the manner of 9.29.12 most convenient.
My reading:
12.10.23
